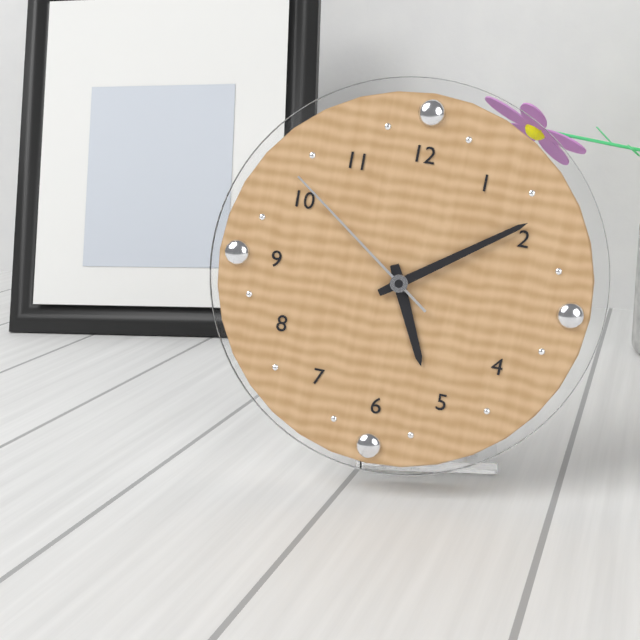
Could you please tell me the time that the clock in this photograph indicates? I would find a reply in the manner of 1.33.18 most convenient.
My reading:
5.09.51
